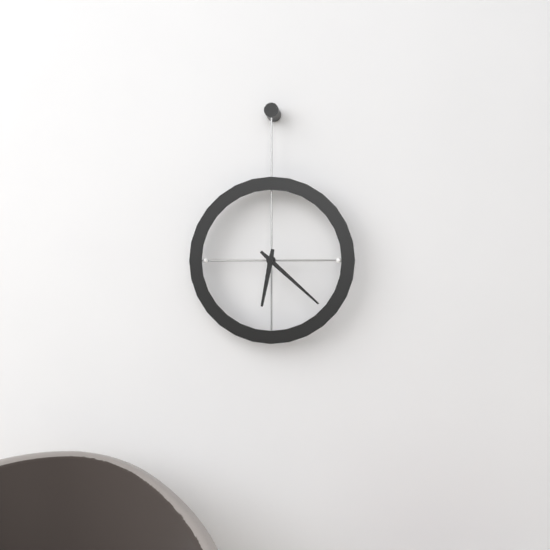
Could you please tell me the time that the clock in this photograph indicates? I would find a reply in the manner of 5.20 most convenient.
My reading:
6.22
